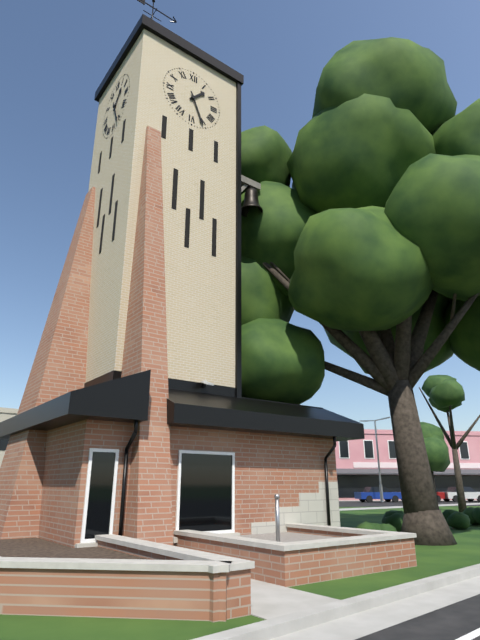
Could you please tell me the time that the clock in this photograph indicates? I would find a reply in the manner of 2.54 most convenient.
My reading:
1.26
